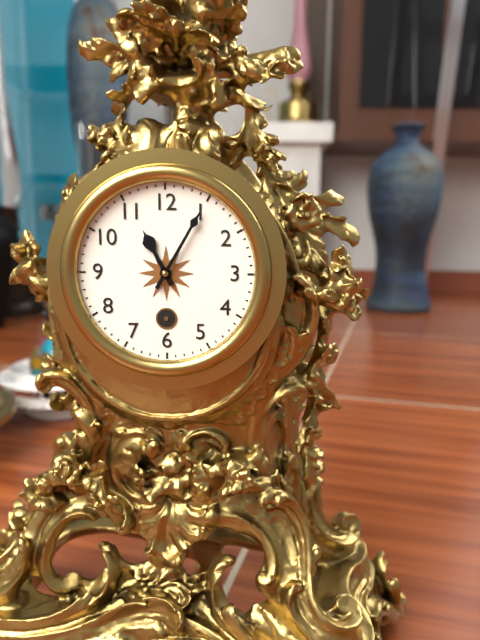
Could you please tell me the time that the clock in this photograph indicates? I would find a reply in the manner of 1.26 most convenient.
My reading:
11.05
